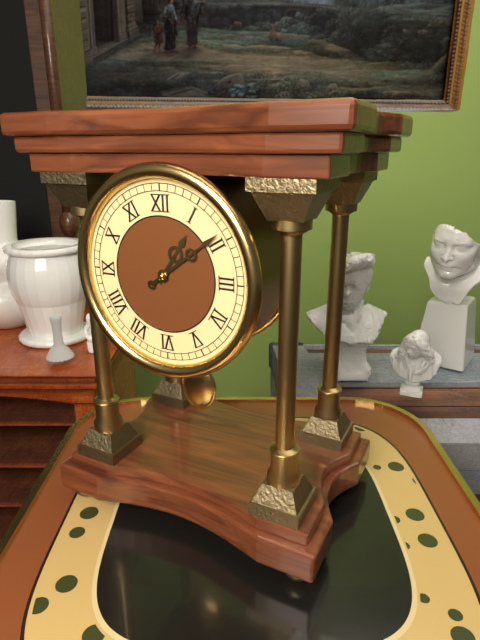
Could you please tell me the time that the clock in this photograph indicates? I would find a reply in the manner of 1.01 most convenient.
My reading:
1.09
